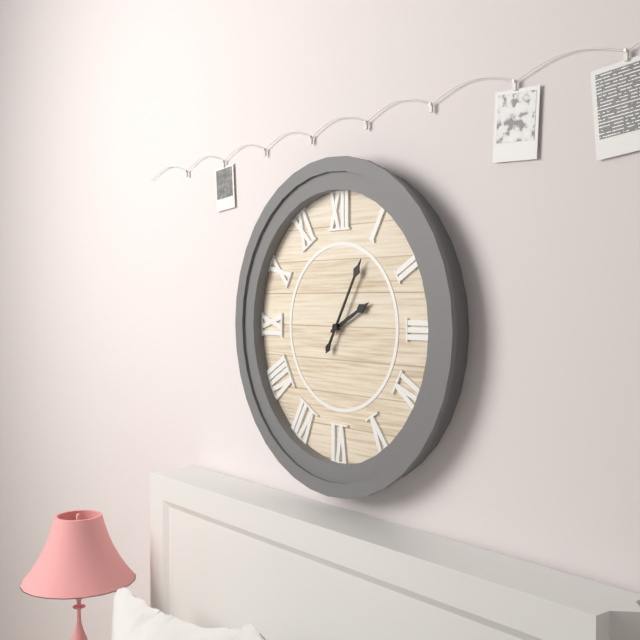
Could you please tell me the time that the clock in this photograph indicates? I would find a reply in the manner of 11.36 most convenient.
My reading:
2.05
